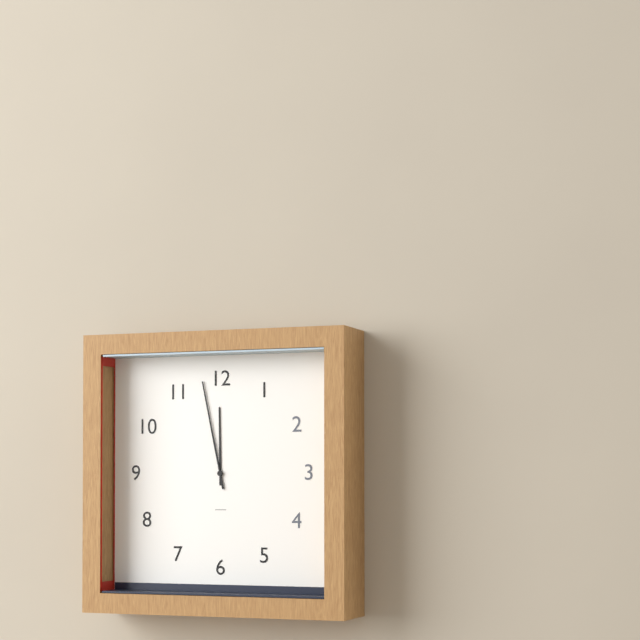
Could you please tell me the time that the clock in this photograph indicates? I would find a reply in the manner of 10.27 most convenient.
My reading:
11.58
